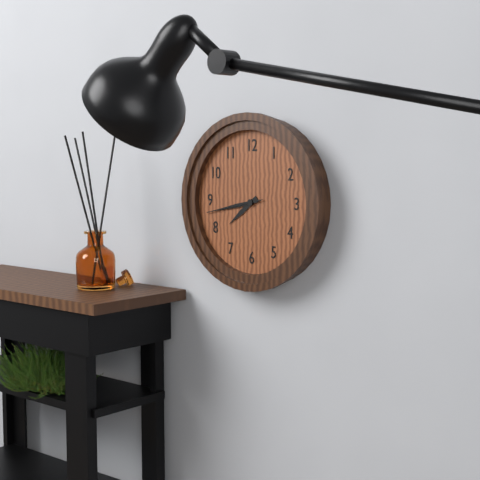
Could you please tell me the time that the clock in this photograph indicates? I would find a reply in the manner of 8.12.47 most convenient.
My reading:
7.43.43
